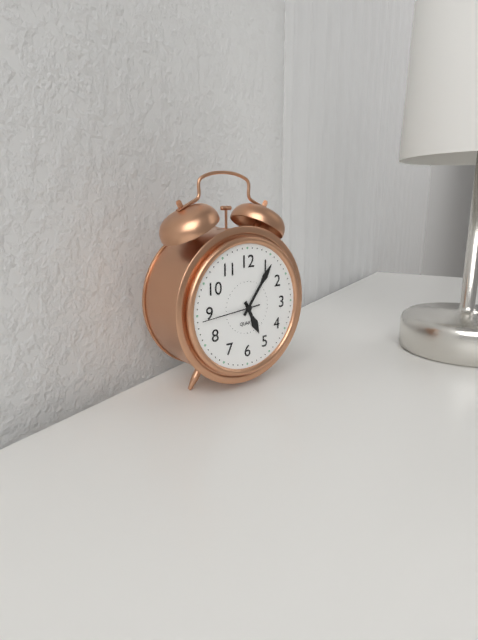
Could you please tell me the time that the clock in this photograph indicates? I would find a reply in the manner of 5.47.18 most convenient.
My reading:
5.06.44
